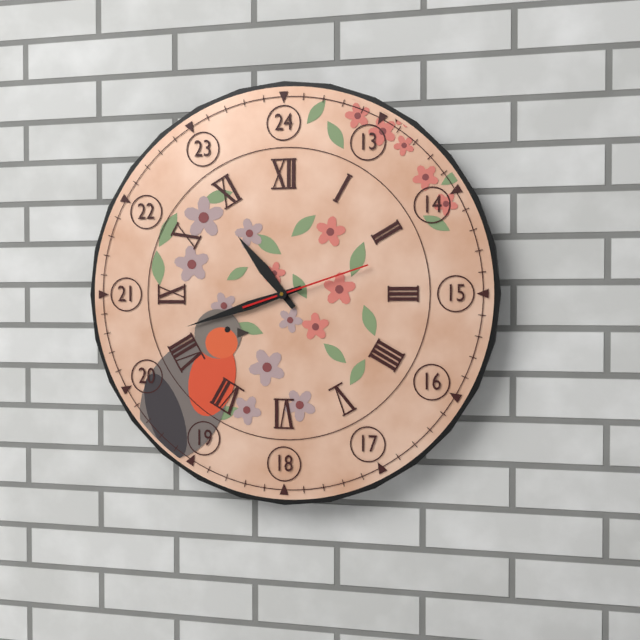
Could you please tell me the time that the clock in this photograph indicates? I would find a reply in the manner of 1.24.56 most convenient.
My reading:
10.42.12
